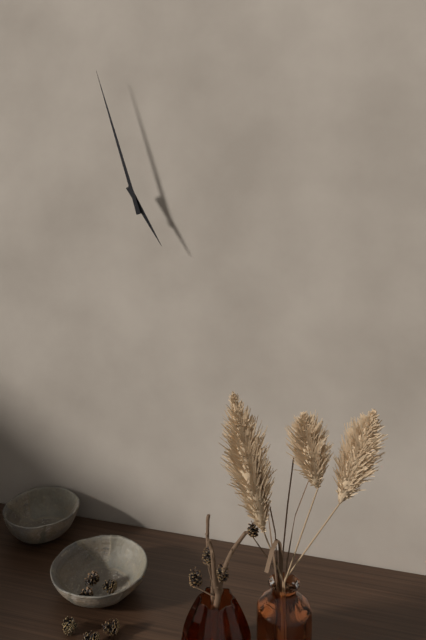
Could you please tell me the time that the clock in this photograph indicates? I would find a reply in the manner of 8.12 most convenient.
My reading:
4.57
